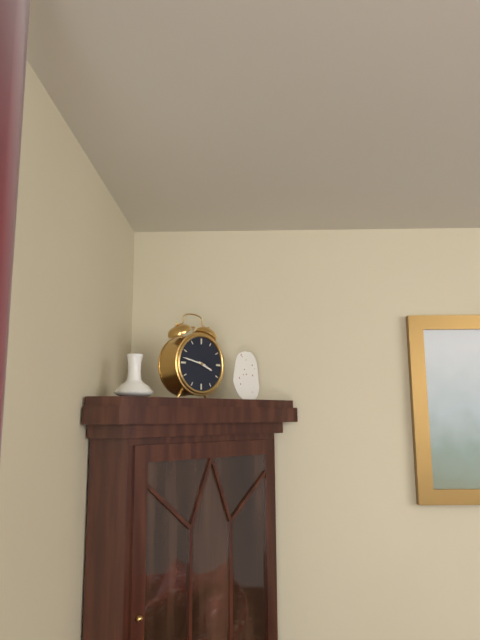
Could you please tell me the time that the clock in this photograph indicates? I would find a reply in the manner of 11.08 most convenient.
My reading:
3.47
